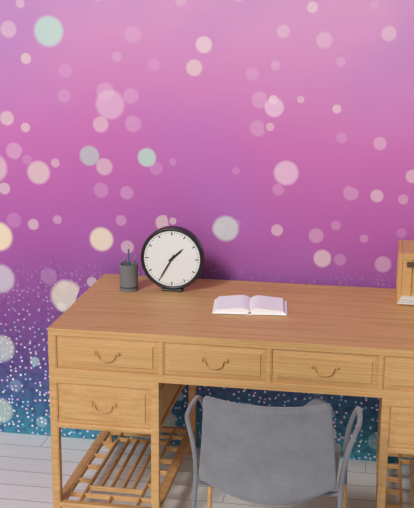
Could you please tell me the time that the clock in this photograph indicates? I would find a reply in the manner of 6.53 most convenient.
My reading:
1.35
